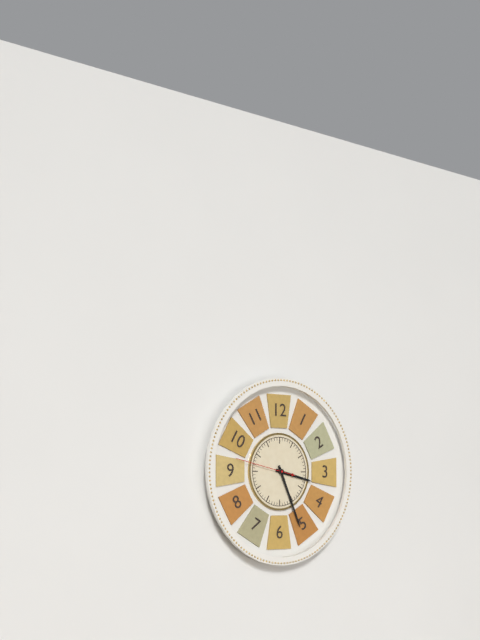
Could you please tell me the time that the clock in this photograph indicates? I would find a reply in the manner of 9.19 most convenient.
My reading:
3.26
